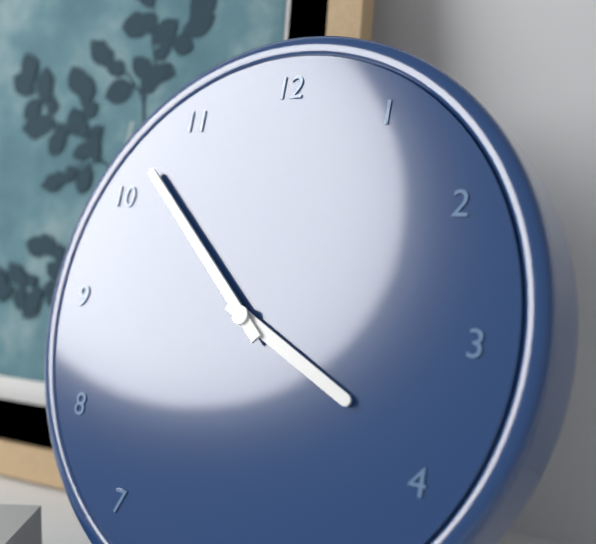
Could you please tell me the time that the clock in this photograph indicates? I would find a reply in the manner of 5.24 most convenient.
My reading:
3.52
